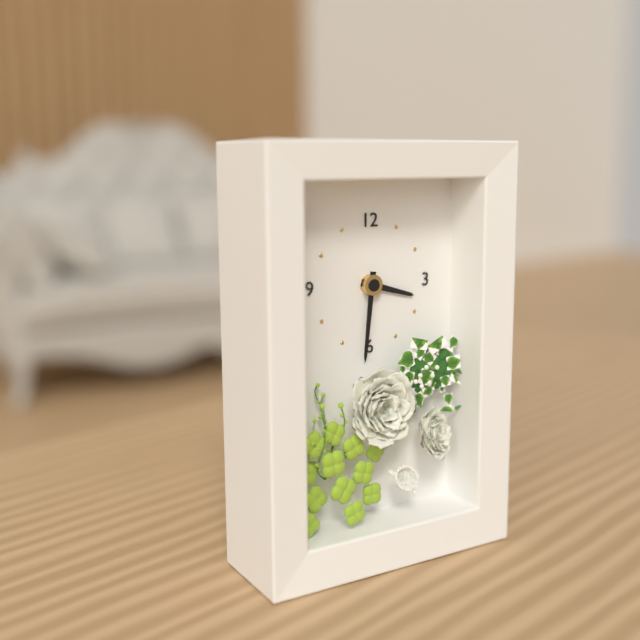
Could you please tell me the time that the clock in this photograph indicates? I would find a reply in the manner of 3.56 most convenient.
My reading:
3.31
